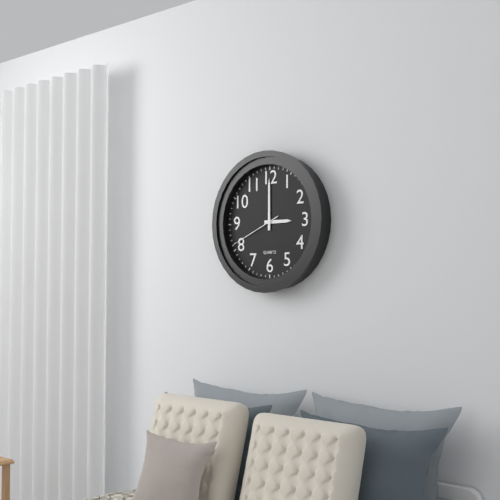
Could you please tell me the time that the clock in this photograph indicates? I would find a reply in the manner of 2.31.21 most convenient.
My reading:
3.00.41
